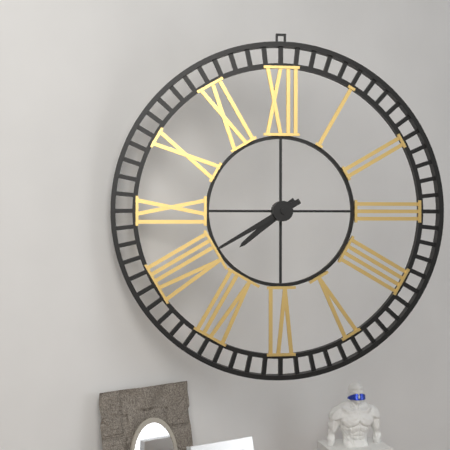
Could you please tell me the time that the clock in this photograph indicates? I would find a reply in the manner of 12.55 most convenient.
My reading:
7.40
